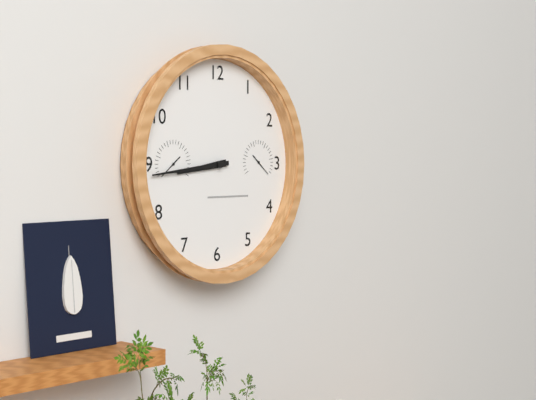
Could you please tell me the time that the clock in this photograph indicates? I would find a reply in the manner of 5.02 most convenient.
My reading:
8.44
